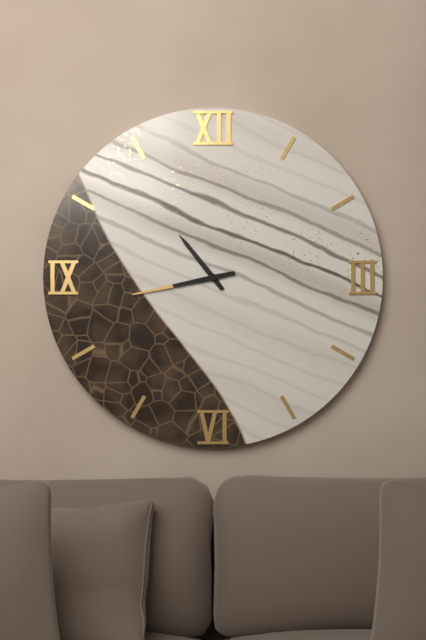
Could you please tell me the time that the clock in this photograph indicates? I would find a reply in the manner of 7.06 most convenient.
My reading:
10.43
